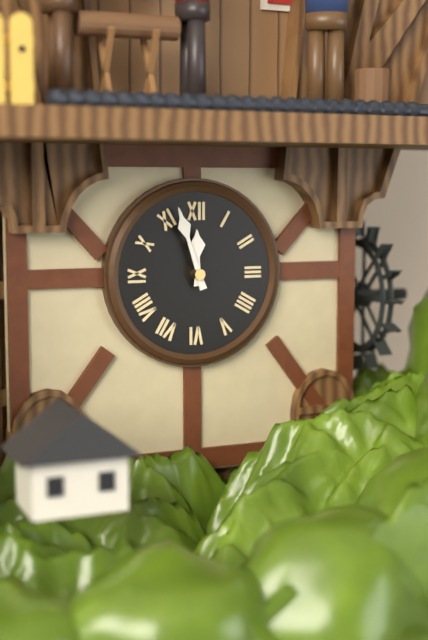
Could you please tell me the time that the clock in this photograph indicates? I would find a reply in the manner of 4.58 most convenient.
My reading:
11.57
